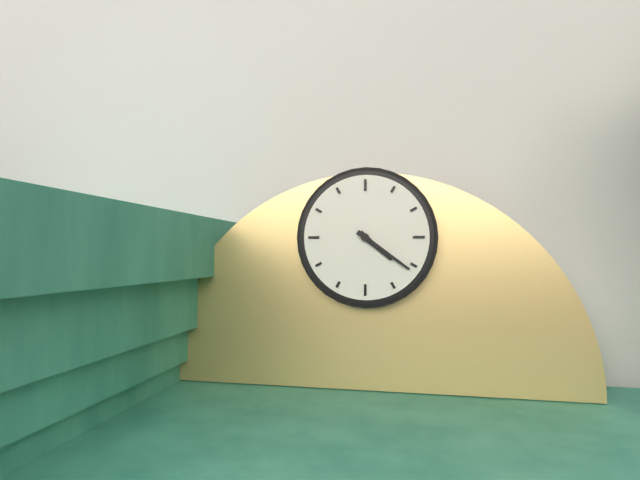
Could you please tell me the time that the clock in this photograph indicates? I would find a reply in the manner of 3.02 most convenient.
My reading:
4.21
